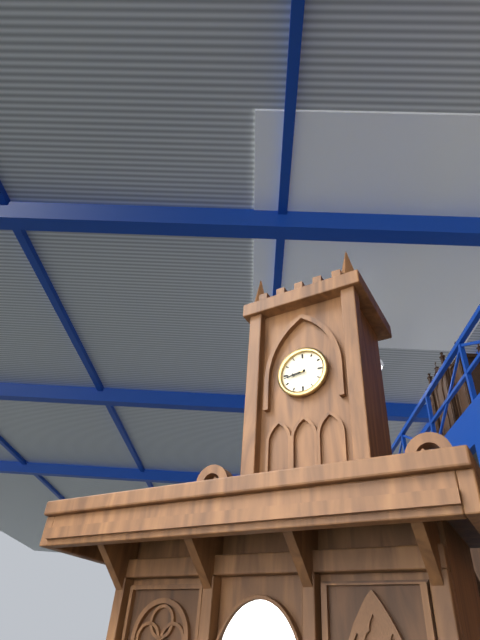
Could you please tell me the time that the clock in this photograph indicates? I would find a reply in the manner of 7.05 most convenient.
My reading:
8.43
